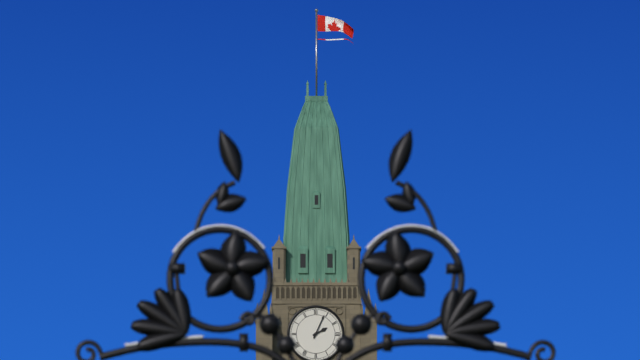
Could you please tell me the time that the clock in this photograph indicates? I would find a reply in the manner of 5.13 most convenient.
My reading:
2.04
